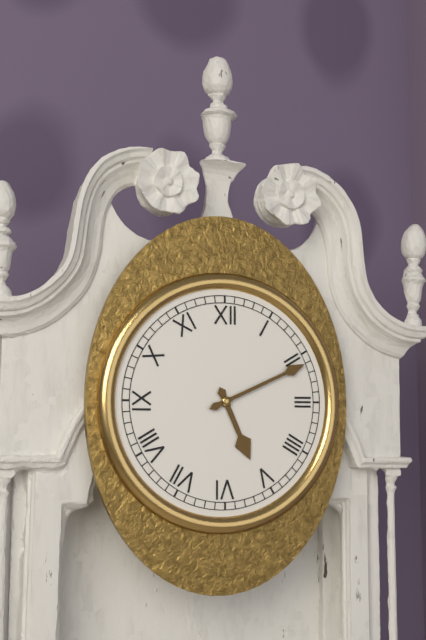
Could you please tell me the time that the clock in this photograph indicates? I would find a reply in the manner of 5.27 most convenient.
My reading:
5.11
